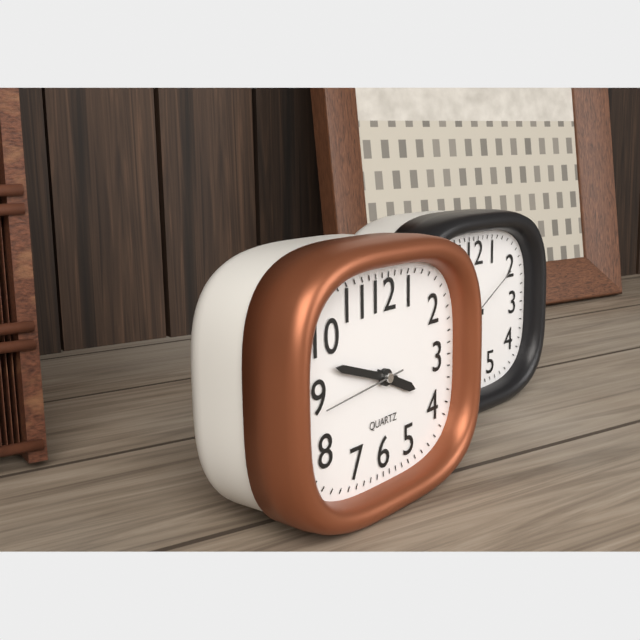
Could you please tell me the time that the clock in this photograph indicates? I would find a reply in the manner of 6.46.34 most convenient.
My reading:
3.48.44
